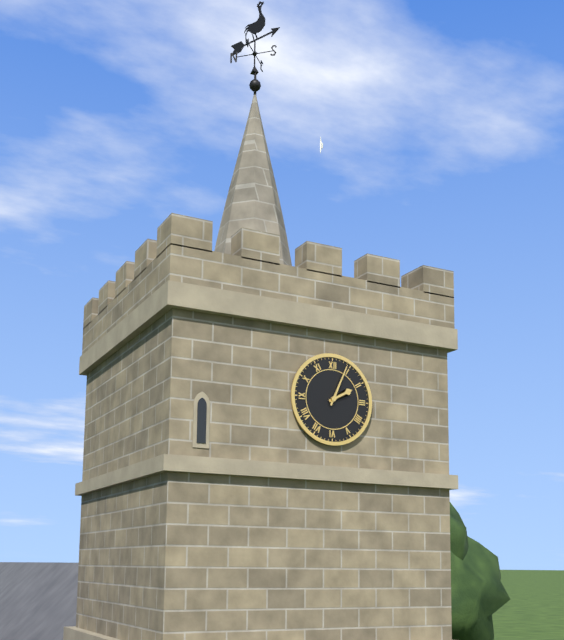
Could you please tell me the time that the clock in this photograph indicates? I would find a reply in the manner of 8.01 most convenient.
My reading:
2.04
